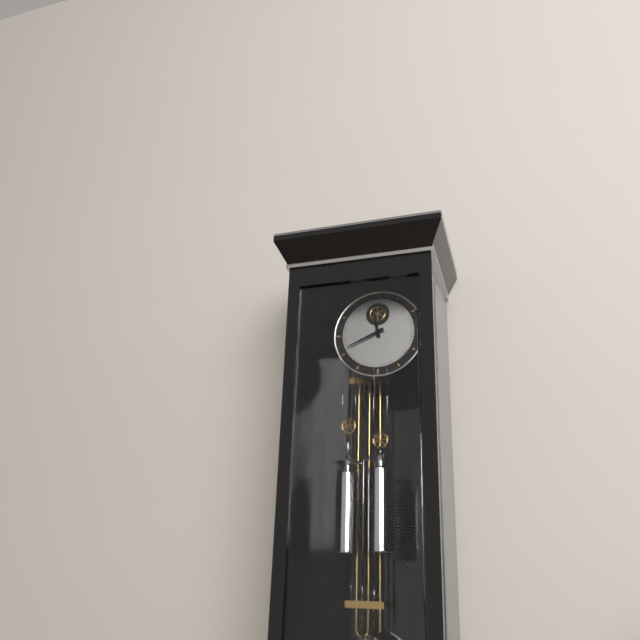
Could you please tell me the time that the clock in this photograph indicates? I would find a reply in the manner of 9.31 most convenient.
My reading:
11.41
